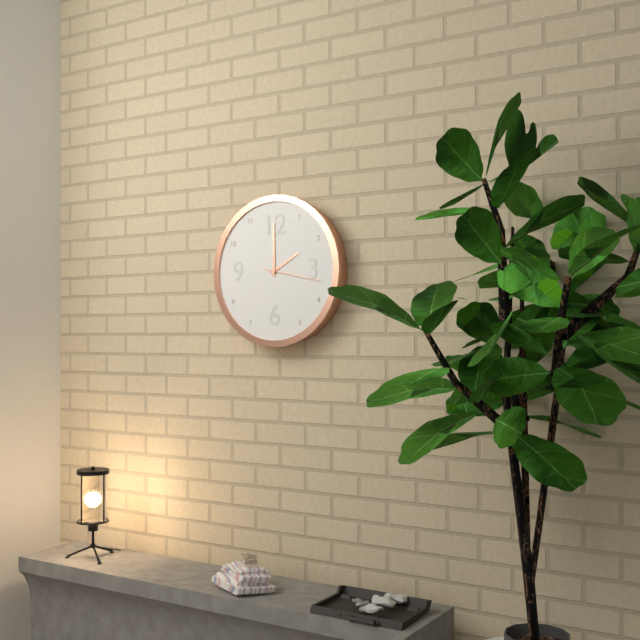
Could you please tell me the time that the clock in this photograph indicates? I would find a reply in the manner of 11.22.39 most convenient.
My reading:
2.00.17
